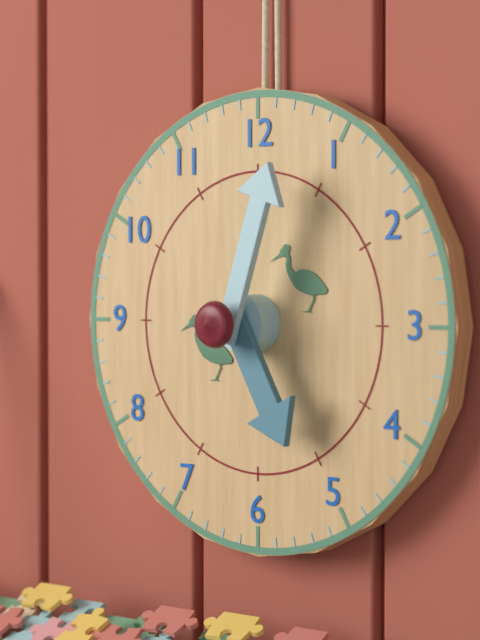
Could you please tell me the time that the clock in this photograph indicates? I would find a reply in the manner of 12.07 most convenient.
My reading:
5.03
